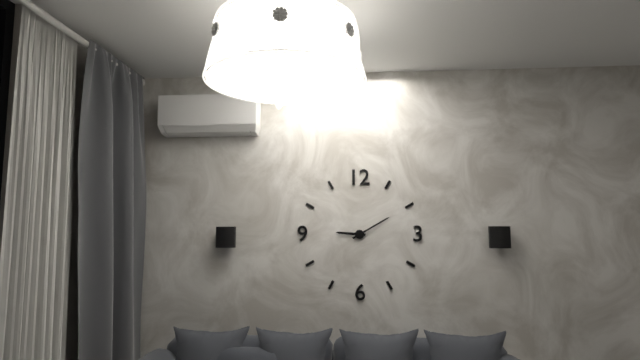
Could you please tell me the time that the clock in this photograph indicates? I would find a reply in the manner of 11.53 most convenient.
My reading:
9.10
